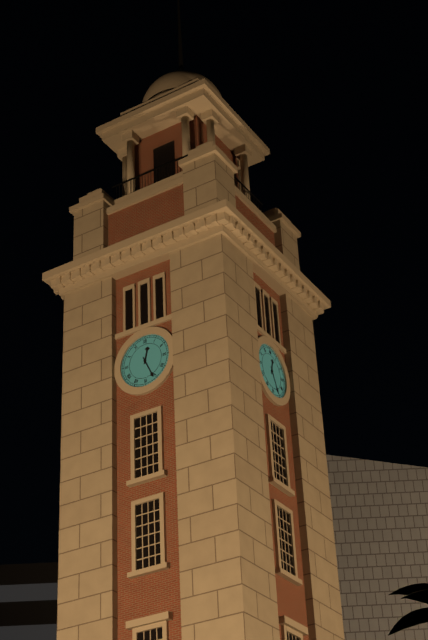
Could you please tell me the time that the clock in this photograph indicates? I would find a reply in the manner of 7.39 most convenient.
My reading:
12.26
